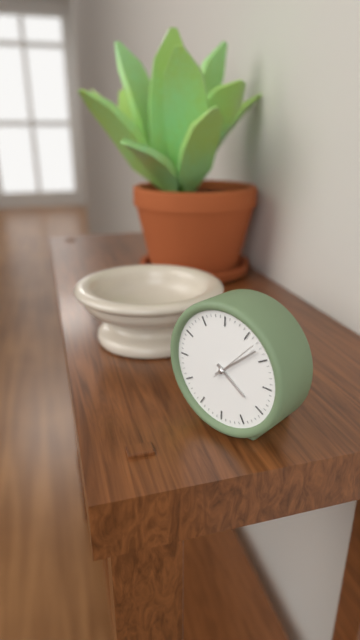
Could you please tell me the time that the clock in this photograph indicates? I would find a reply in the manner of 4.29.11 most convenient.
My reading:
4.08.07
